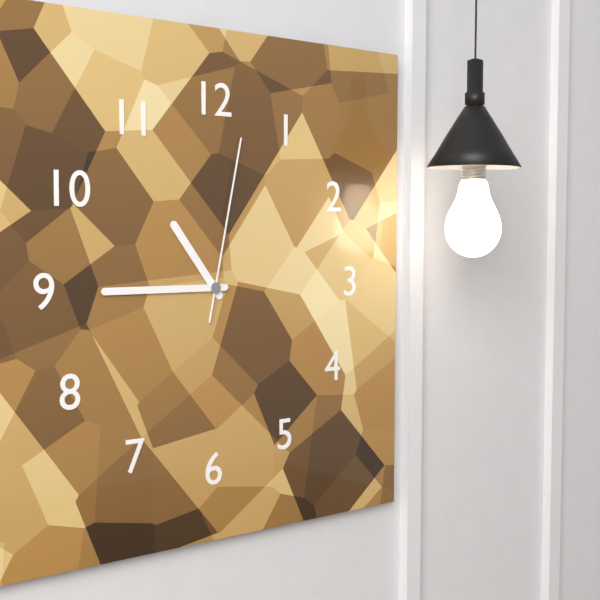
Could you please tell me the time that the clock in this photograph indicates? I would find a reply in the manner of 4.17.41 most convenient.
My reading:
10.45.02
